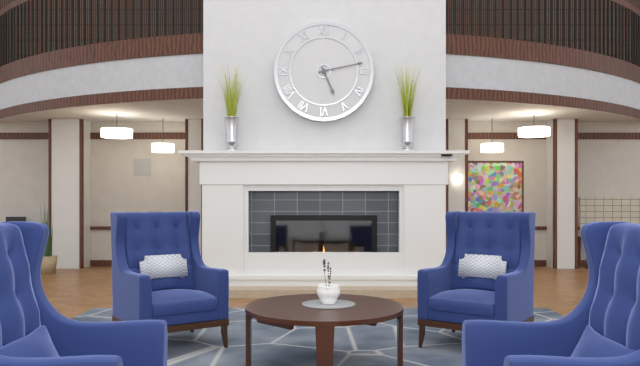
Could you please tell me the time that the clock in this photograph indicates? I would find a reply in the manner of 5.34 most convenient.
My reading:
5.13
